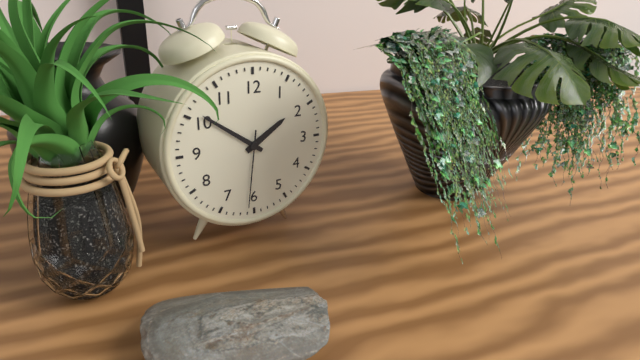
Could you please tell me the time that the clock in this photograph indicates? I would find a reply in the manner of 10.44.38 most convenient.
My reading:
1.51.31
